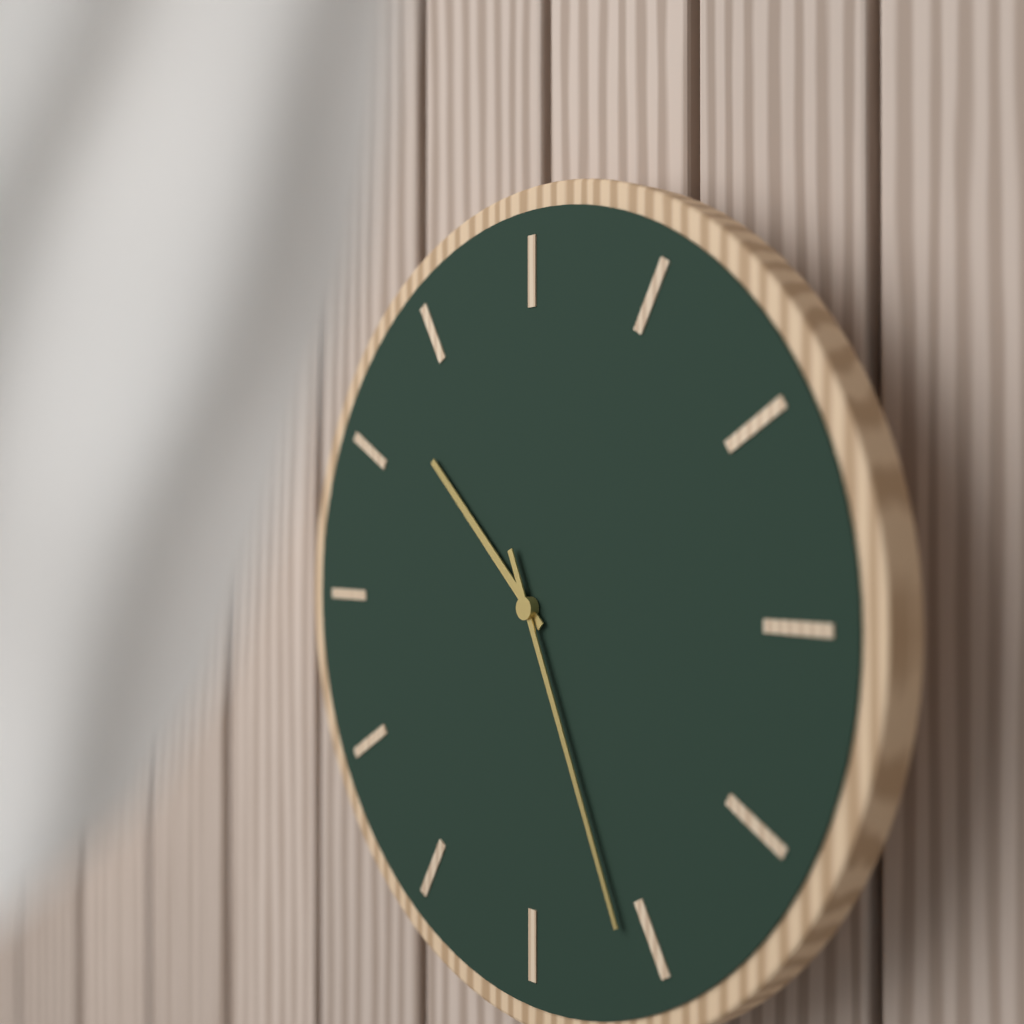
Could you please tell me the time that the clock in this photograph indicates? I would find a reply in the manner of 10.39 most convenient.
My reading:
10.26
